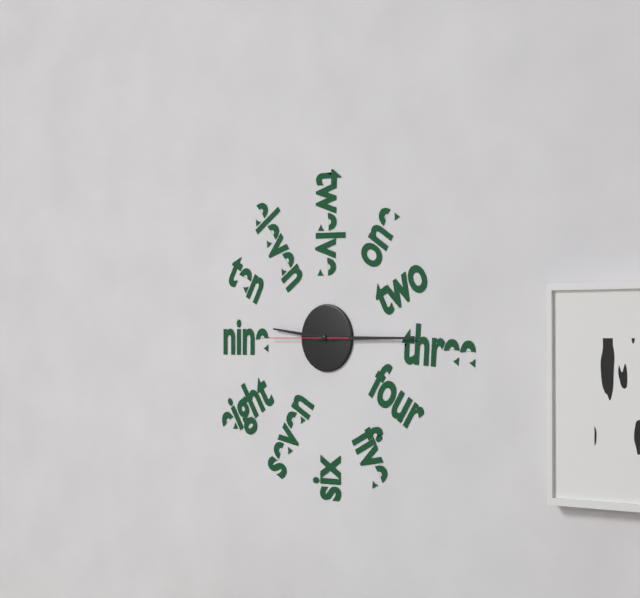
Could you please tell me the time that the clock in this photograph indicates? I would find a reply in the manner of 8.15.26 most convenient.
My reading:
9.15.45
